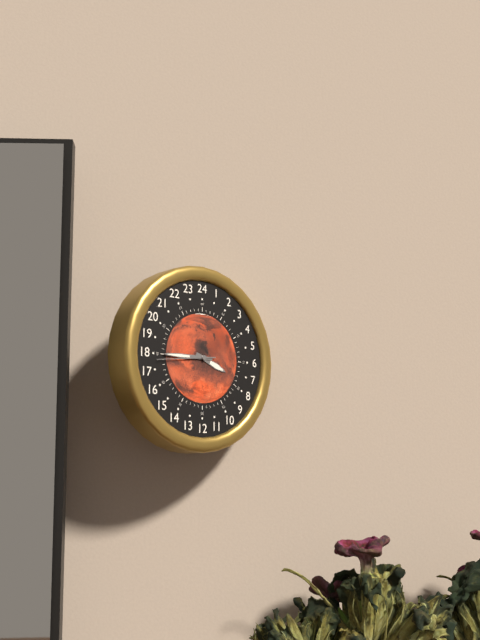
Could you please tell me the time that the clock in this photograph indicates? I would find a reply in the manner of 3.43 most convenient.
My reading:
3.45
